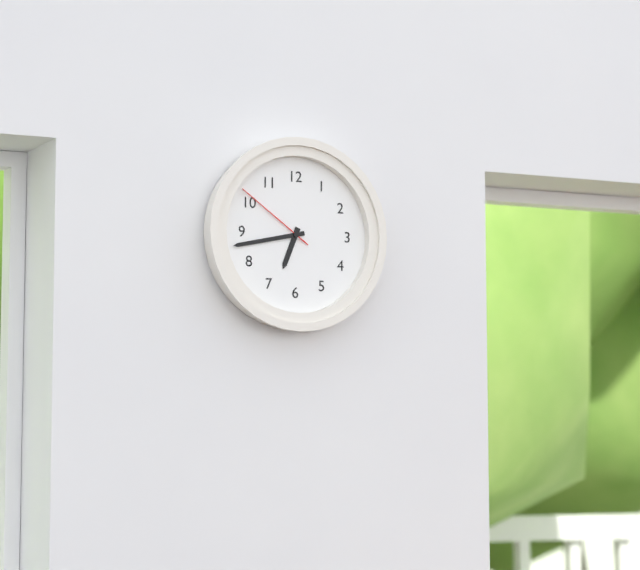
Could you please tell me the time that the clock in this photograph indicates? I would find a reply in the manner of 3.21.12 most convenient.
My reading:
6.43.51
